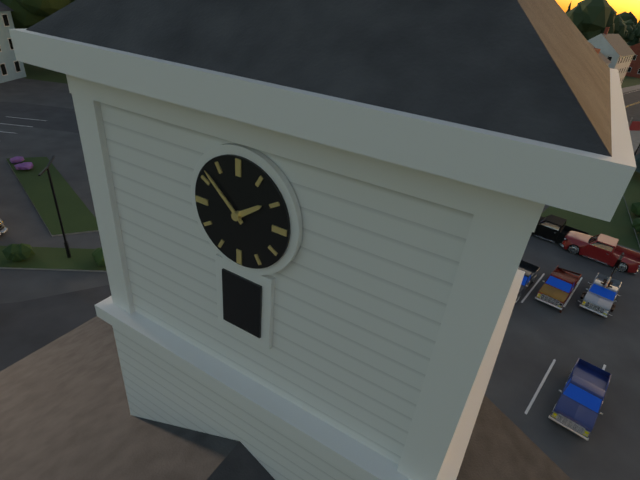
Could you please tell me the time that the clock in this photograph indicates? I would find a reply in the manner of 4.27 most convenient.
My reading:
1.52
